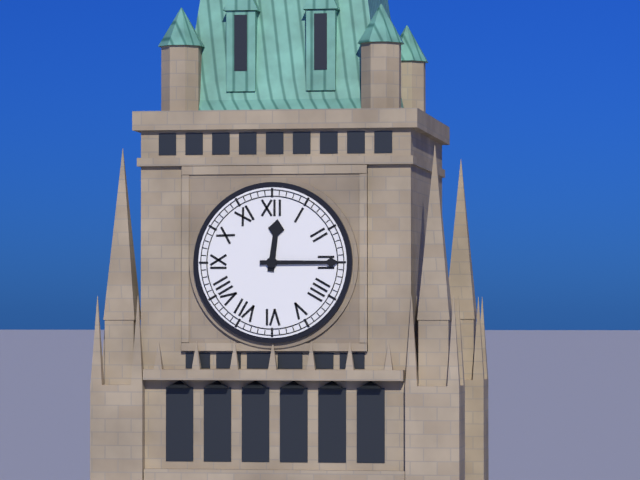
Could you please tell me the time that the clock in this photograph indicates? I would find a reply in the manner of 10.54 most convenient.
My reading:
12.15
